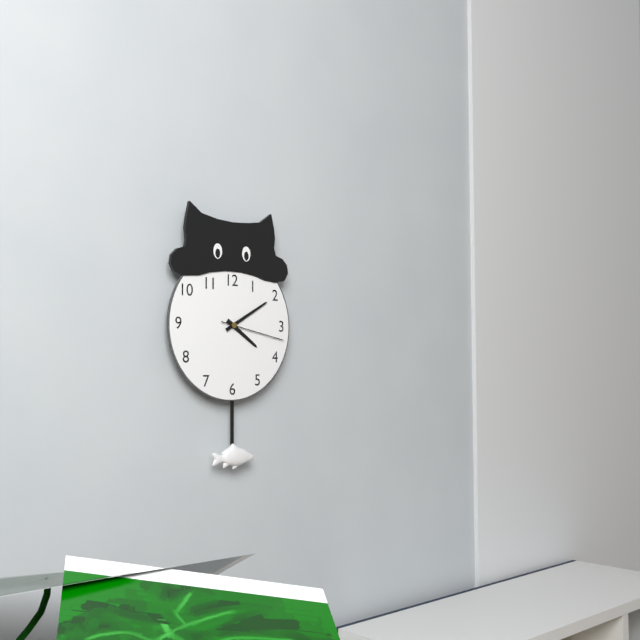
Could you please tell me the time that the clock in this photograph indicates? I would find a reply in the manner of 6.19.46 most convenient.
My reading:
4.10.17
